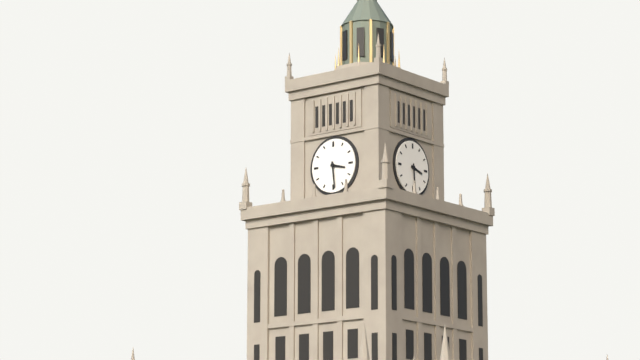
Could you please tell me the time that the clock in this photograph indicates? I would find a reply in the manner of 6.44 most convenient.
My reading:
3.29
